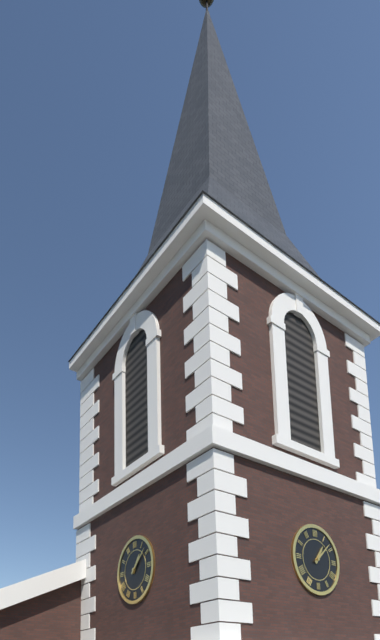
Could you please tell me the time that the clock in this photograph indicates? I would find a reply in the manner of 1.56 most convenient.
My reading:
1.08
